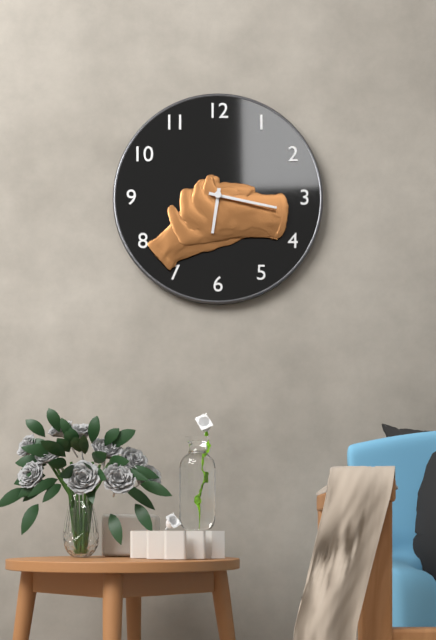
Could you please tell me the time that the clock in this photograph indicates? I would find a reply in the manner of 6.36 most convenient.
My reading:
6.17
